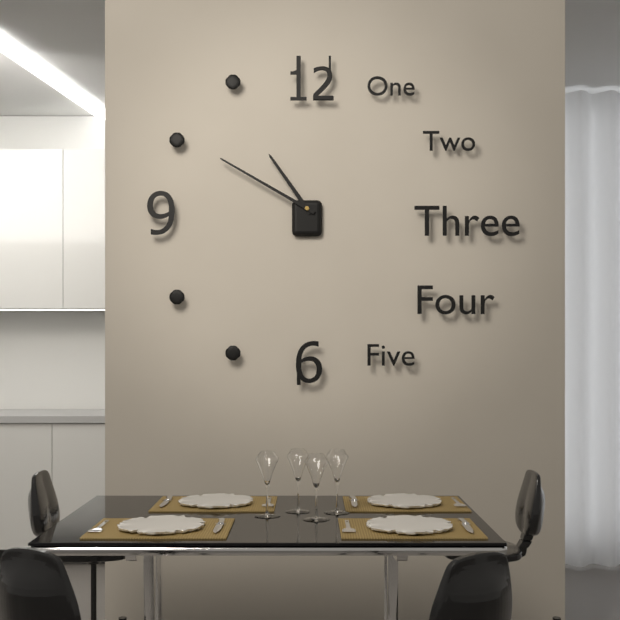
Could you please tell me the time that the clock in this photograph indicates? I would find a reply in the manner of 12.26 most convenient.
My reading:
10.50
